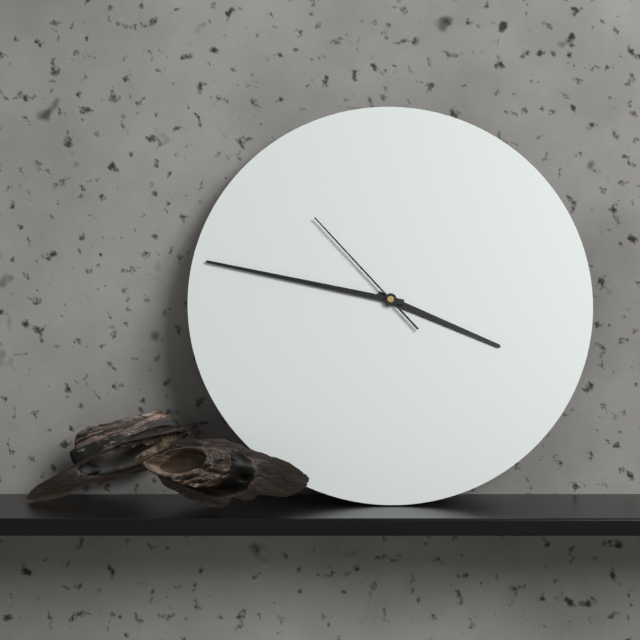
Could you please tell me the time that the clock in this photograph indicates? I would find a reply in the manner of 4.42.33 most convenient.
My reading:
3.47.53
